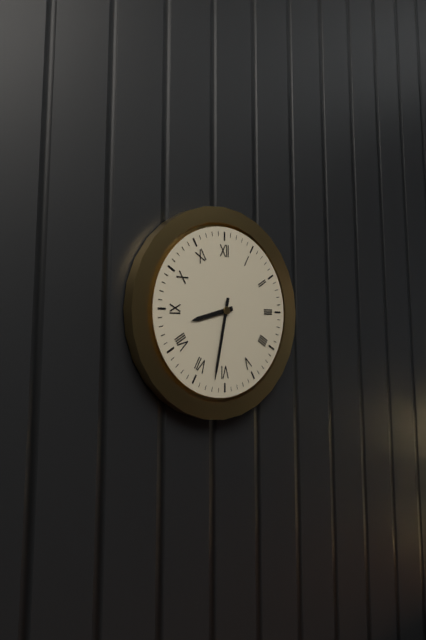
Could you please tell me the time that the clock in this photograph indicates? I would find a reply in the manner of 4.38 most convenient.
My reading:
8.32
